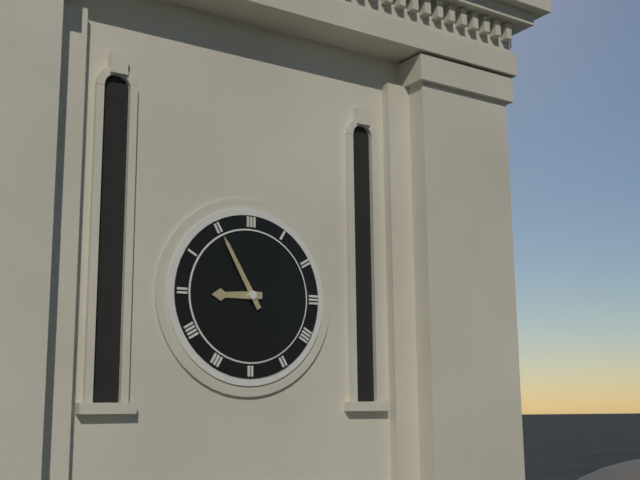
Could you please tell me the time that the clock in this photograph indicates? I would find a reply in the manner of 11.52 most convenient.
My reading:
8.55
